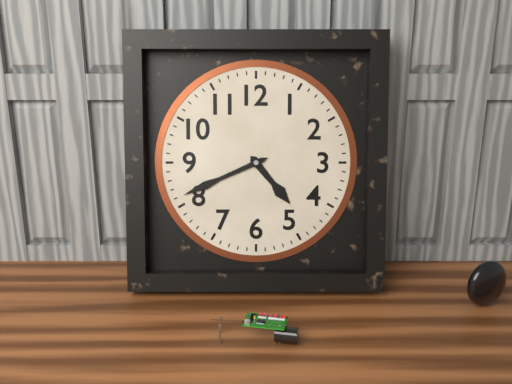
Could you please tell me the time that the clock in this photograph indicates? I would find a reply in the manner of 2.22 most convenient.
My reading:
4.41
